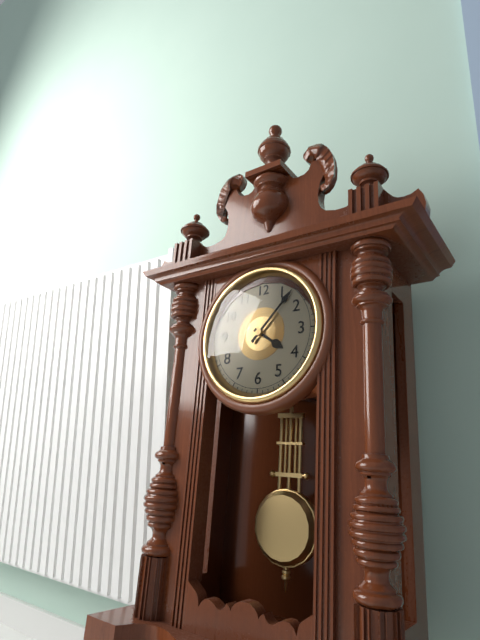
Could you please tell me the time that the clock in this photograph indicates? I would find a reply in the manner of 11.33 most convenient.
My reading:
4.07
